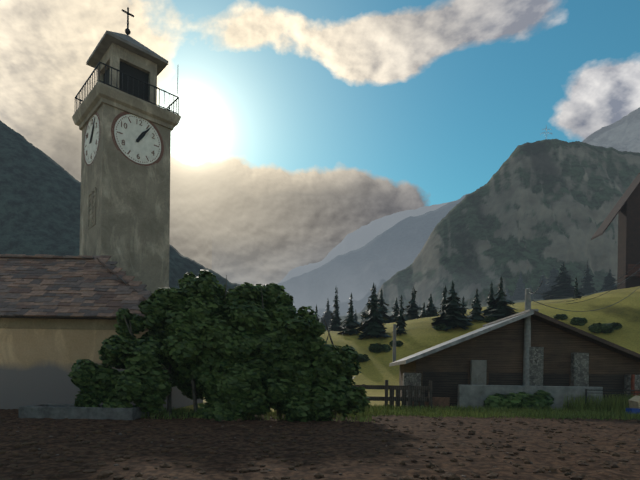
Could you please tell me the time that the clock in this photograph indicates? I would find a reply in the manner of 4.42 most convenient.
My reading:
1.06
